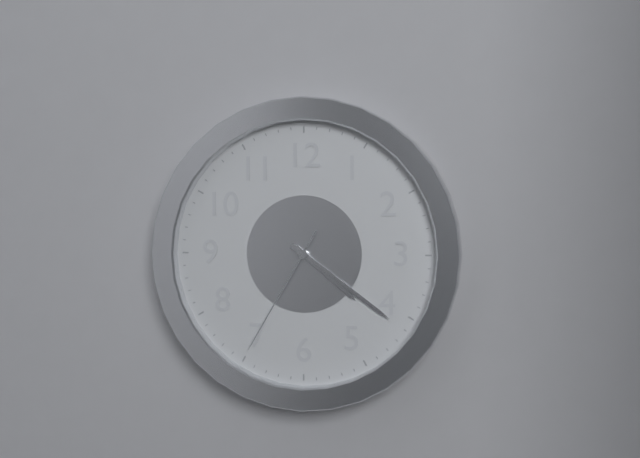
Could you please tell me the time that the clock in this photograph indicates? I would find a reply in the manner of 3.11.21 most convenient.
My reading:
4.21.35
